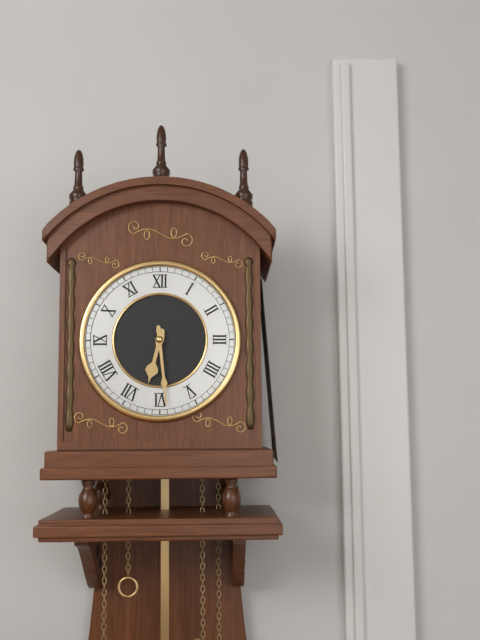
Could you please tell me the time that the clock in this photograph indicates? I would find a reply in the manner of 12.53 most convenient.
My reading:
6.29
